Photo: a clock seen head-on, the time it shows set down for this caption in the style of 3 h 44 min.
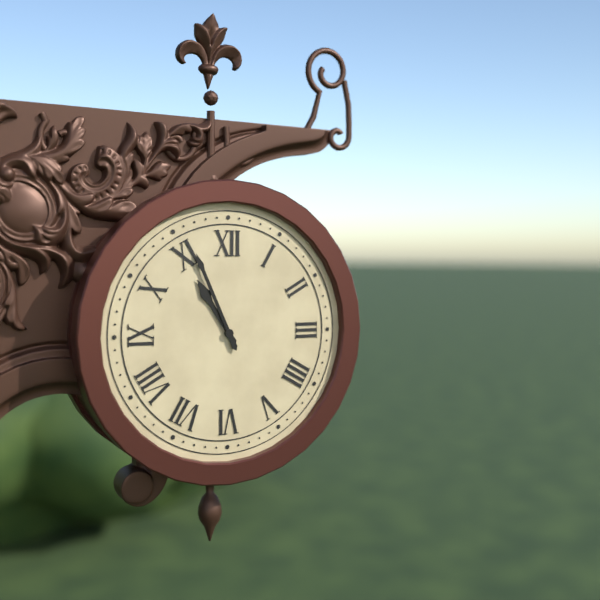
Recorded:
10 h 56 min
